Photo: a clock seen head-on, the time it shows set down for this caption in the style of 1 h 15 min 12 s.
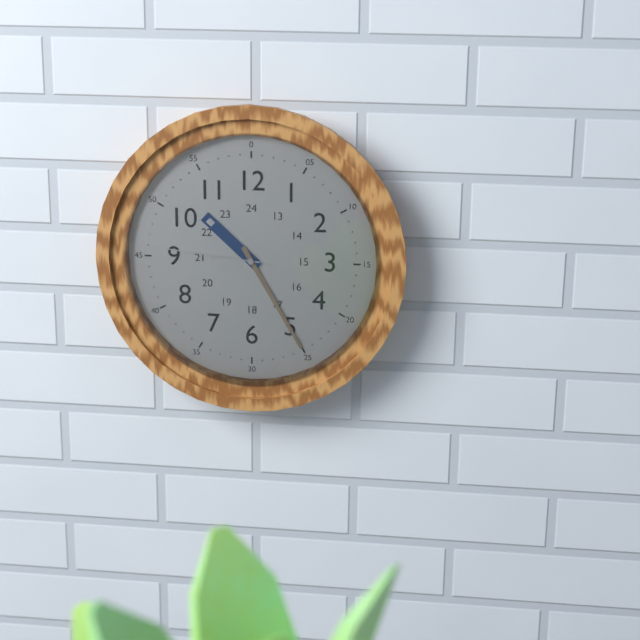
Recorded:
10 h 25 min 46 s
